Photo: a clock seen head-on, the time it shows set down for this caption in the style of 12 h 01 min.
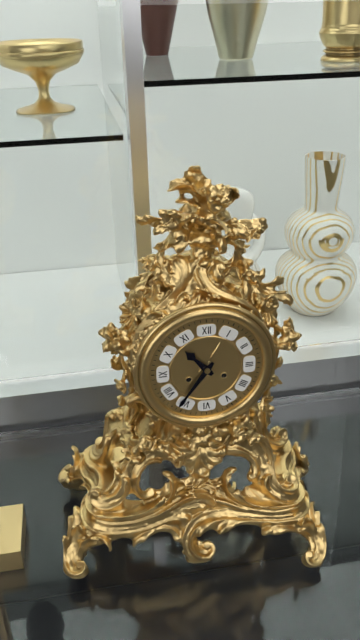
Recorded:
10 h 36 min
